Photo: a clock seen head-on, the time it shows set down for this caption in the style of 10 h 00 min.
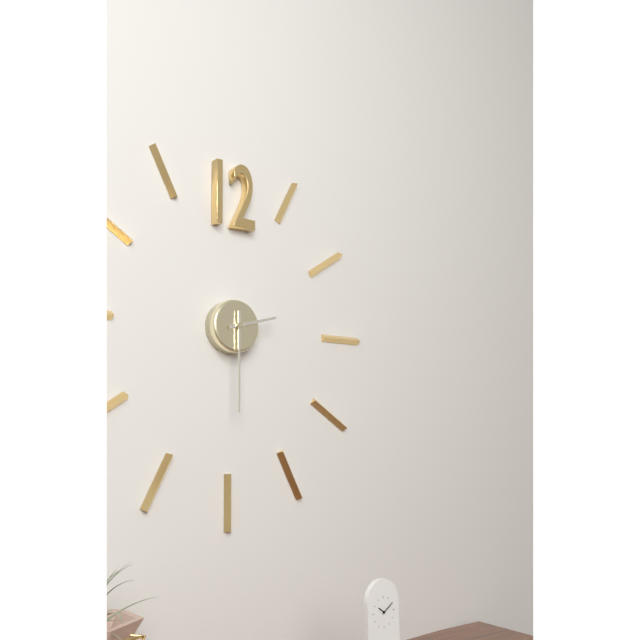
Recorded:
2 h 30 min
